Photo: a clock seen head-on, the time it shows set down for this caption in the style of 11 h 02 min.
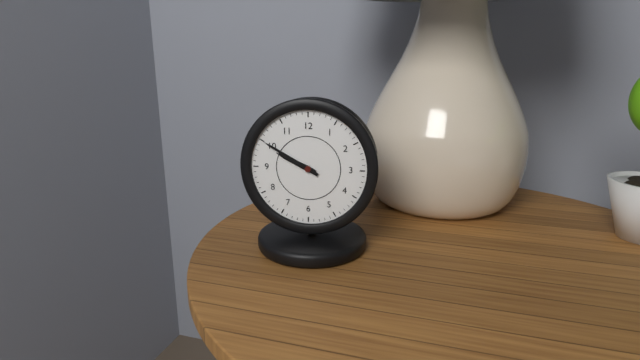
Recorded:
9 h 50 min
